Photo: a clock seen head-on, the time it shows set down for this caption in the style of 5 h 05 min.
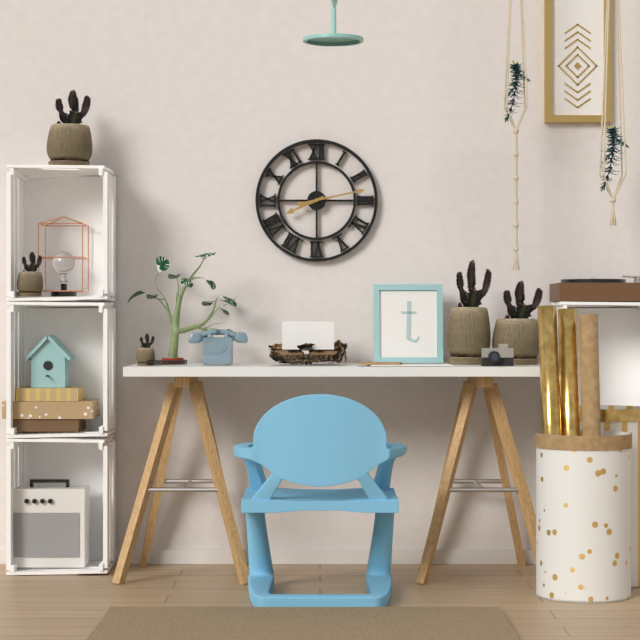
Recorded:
8 h 13 min
